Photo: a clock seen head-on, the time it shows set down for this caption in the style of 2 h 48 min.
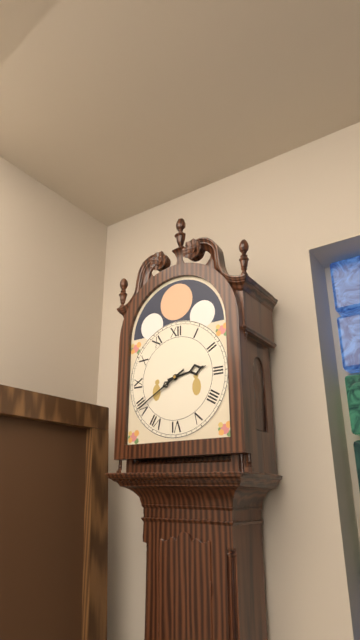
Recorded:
2 h 40 min
